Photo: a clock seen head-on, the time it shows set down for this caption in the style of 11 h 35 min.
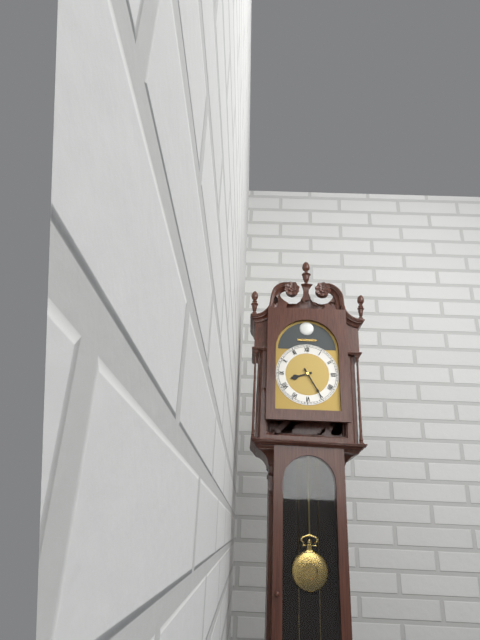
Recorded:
8 h 25 min
